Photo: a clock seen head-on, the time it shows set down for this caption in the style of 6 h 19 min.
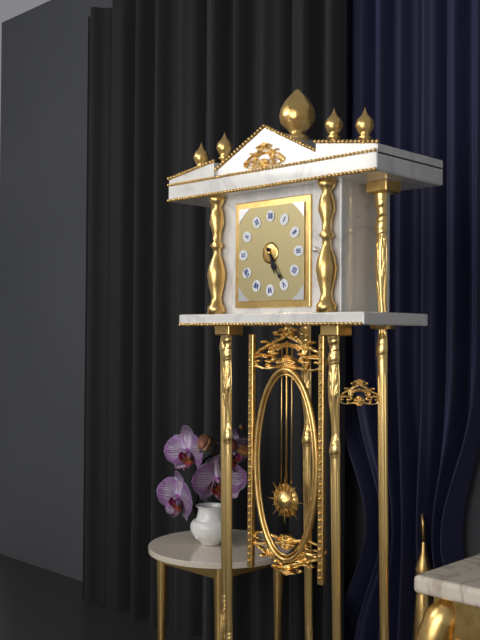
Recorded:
5 h 25 min
